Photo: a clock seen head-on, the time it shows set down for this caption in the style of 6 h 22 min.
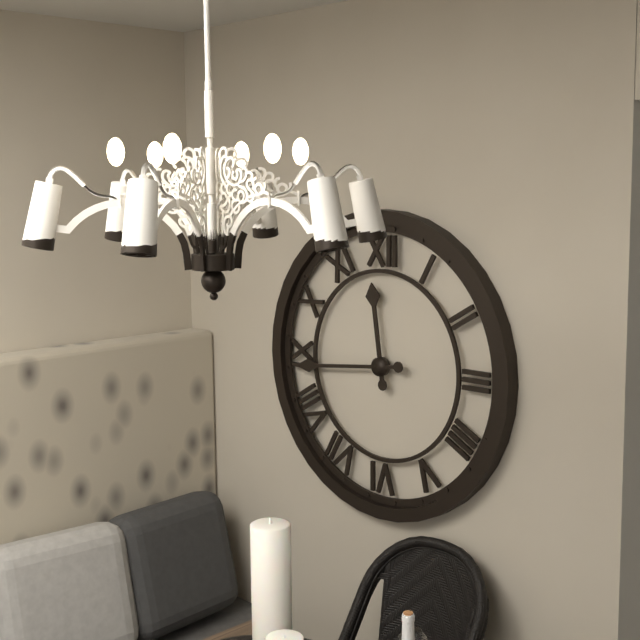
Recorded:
11 h 44 min
